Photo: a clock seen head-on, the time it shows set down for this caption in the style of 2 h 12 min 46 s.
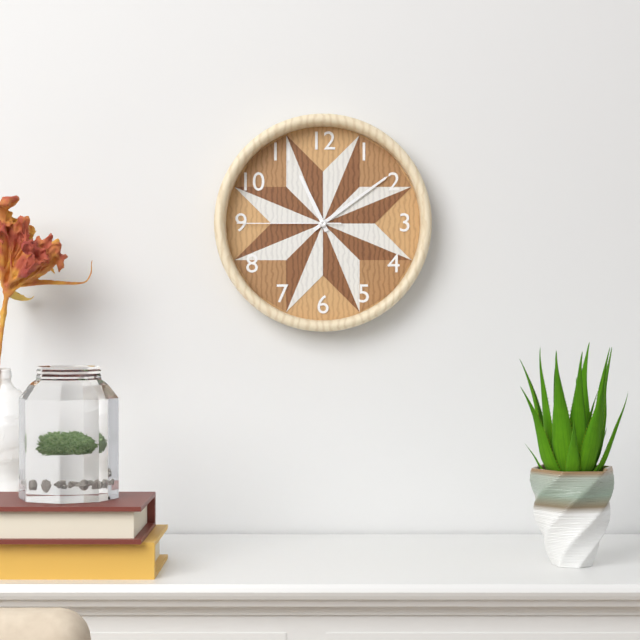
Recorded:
11 h 09 min 45 s
